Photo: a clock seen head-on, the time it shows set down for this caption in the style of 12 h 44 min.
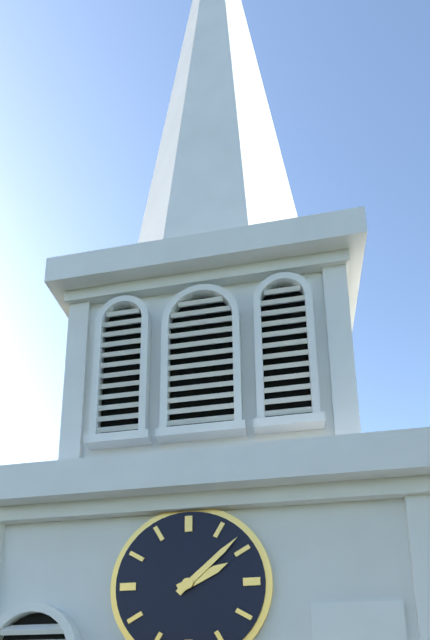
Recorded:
2 h 08 min
